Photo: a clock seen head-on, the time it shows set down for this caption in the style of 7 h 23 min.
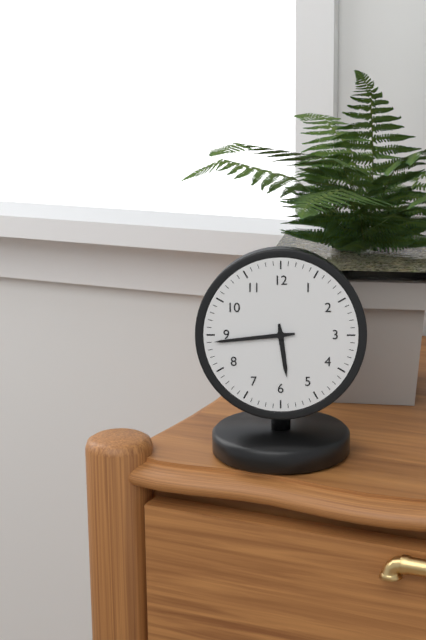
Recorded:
5 h 44 min
